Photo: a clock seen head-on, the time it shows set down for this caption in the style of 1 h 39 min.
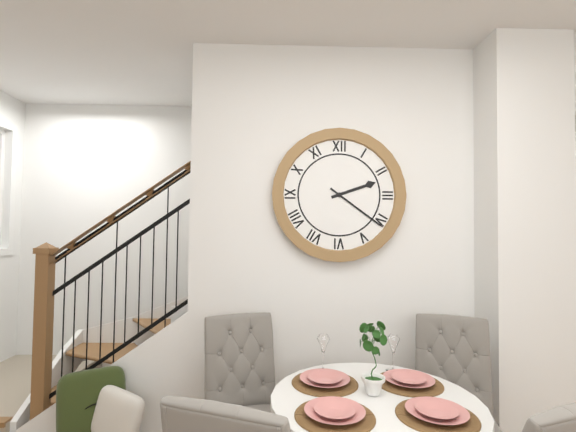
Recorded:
2 h 21 min
